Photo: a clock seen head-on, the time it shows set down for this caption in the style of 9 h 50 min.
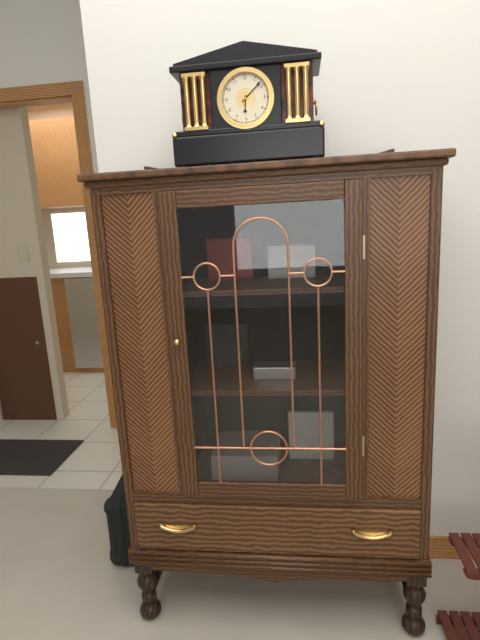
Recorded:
6 h 08 min
